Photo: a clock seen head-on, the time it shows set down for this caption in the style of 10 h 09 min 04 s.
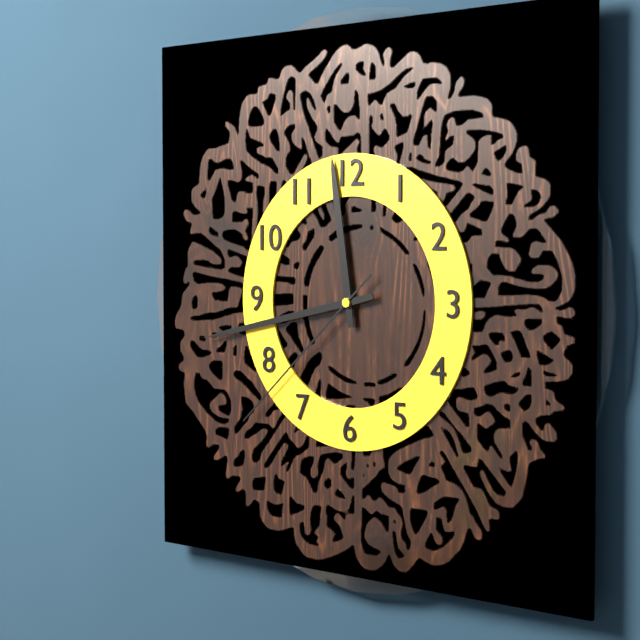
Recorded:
11 h 43 min 38 s
